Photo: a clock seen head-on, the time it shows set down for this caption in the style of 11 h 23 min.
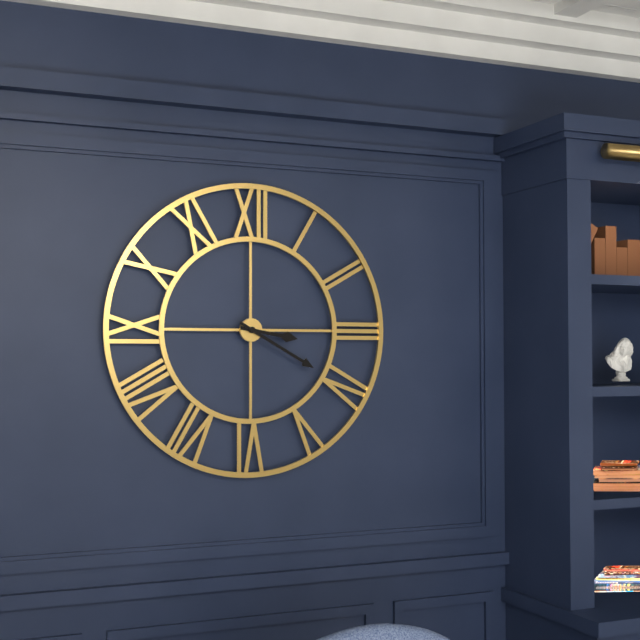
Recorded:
3 h 20 min
